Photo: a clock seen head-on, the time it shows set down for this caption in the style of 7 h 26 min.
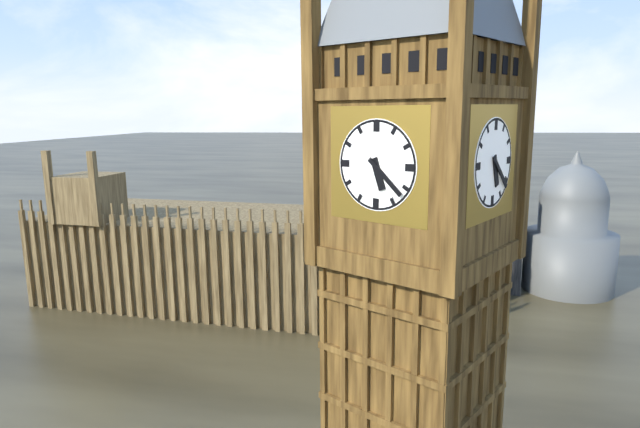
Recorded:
5 h 22 min
